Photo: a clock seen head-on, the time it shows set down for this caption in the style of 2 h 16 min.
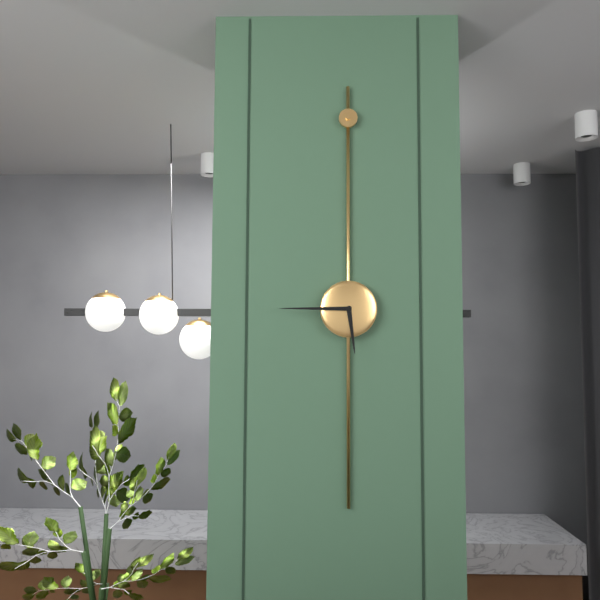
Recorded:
5 h 45 min
